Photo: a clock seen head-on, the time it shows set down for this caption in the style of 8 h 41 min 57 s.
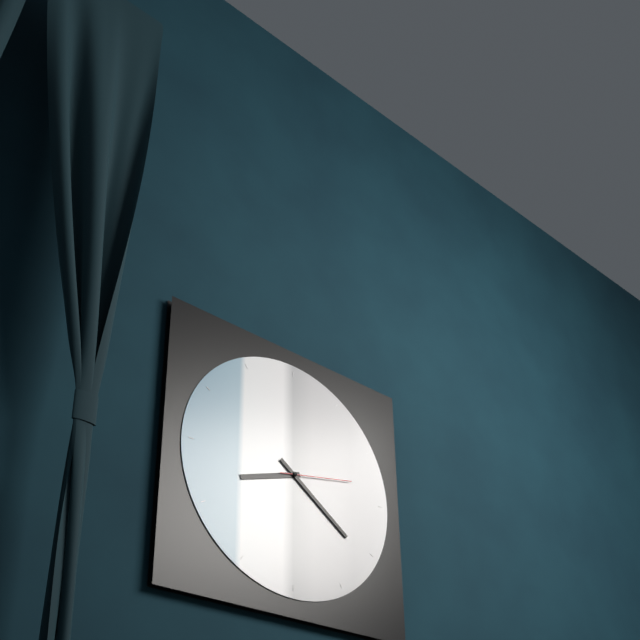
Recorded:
8 h 21 min 13 s
